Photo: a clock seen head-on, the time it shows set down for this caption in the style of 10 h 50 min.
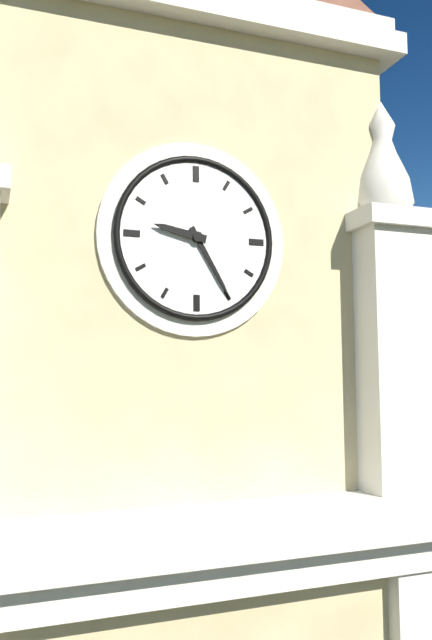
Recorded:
9 h 25 min
